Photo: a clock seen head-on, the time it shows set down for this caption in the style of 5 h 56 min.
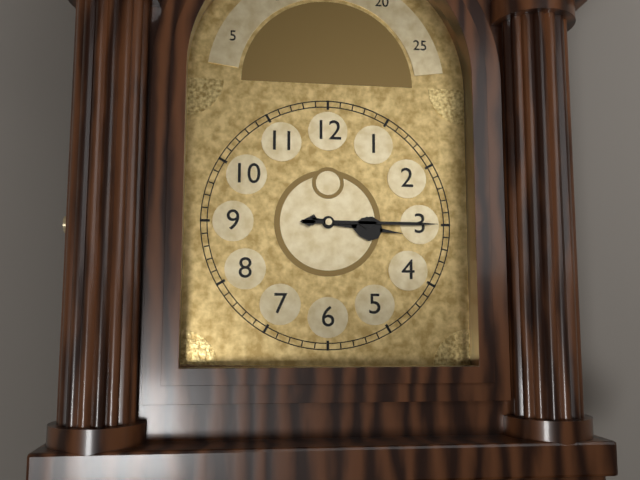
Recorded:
3 h 15 min
